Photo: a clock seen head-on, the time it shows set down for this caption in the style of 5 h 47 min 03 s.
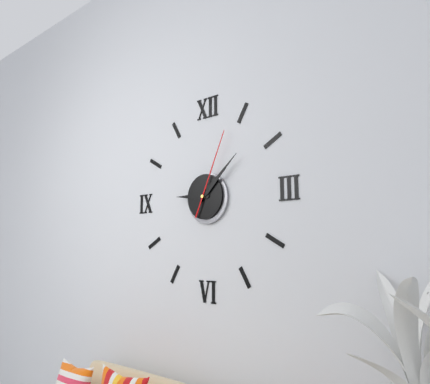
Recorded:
9 h 08 min 04 s
